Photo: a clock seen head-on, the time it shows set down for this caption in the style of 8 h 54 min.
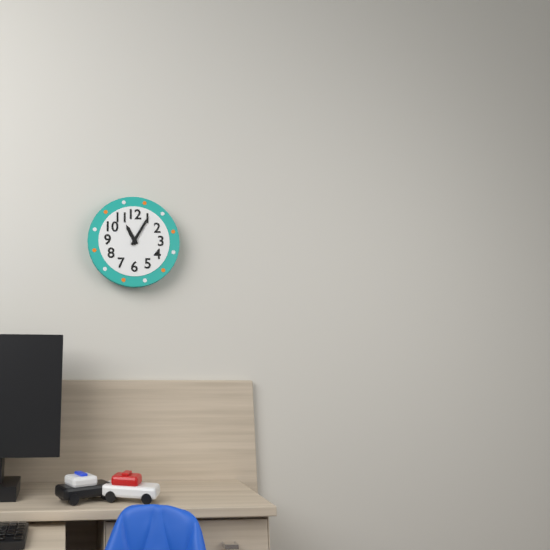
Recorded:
11 h 05 min
